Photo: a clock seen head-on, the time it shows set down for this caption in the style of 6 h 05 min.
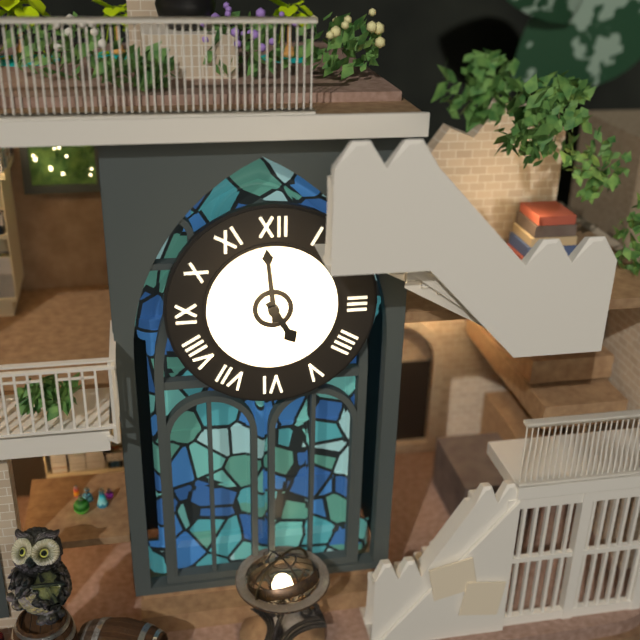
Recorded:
4 h 59 min
